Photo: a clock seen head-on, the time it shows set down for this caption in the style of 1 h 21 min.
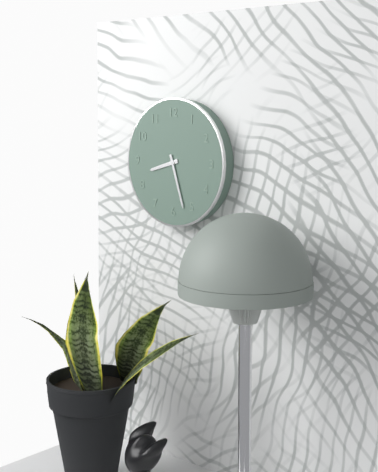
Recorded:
8 h 27 min
